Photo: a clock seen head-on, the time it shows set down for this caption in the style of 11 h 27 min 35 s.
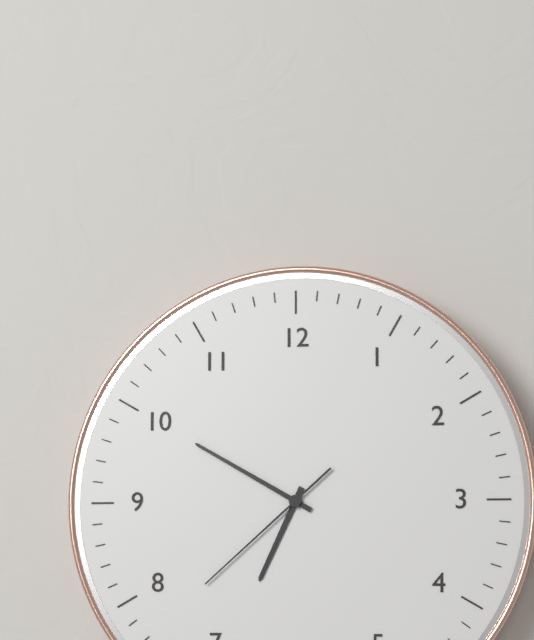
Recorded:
6 h 50 min 38 s
